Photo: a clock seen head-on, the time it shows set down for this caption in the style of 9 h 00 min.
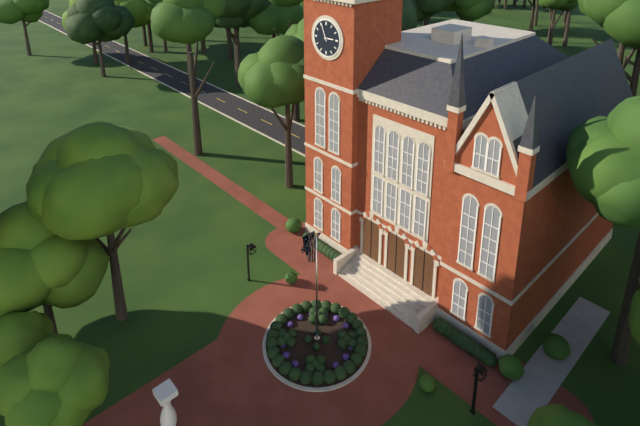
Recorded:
2 h 56 min
